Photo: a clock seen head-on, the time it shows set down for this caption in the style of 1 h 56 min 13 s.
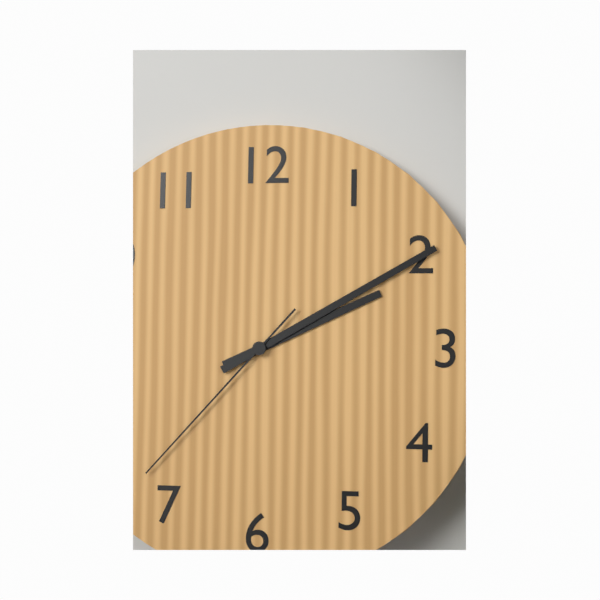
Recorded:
2 h 10 min 37 s
